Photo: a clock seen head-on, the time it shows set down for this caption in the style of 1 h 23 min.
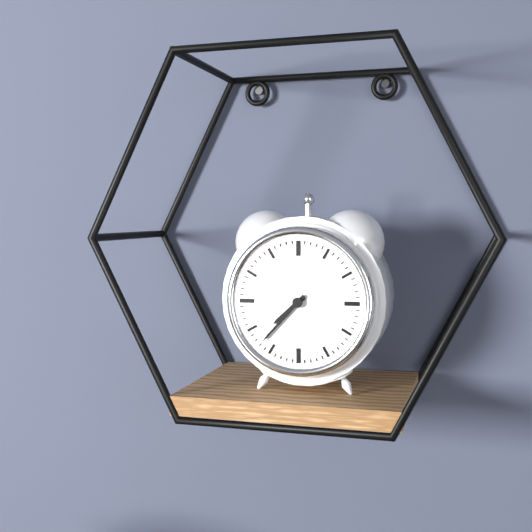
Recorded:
7 h 37 min
